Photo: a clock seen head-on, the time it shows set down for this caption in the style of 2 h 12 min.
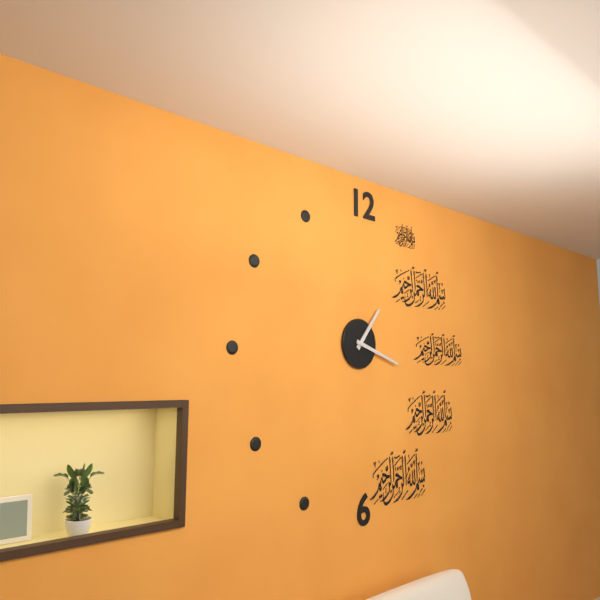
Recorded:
1 h 18 min
